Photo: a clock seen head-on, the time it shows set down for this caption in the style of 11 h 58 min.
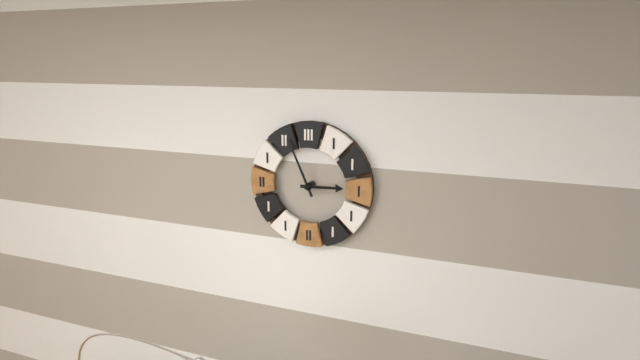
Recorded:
2 h 56 min
